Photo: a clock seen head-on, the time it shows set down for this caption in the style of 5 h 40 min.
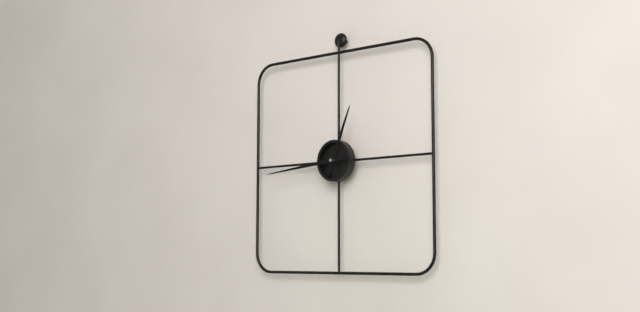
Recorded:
12 h 44 min
